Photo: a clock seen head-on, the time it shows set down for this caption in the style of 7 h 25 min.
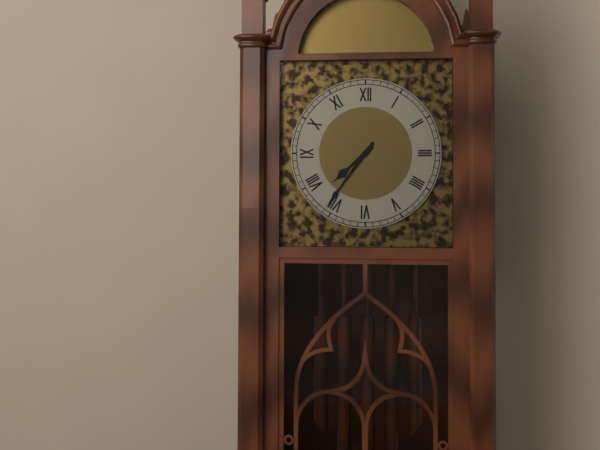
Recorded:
7 h 36 min
